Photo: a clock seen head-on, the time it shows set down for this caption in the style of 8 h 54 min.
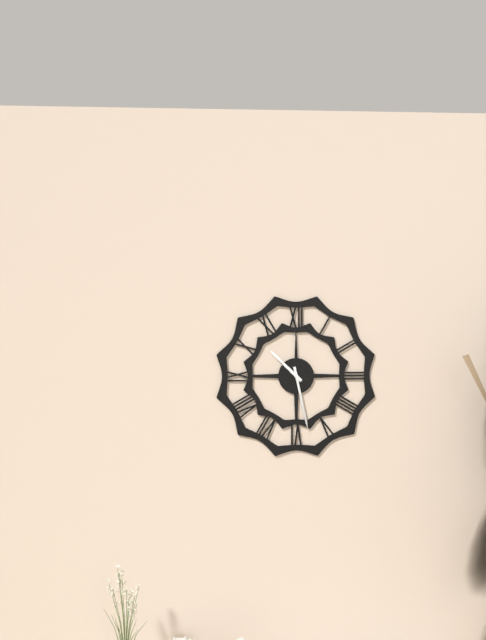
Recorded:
10 h 28 min
